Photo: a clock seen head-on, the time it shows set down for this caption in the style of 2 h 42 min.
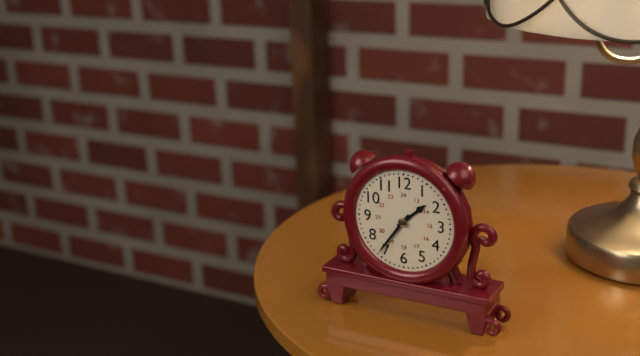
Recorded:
1 h 36 min
